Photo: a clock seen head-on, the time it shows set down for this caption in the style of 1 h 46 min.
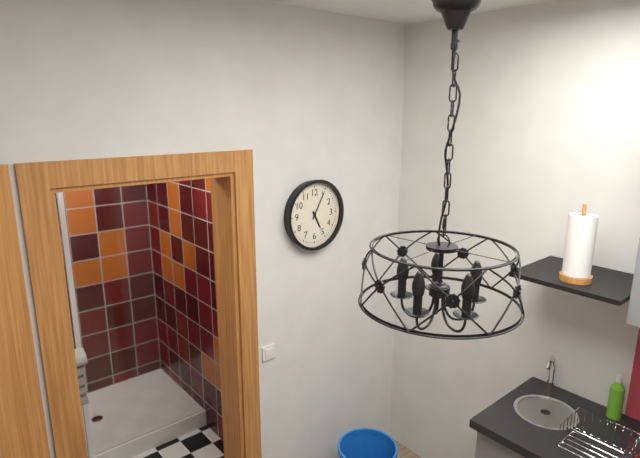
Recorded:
5 h 05 min
